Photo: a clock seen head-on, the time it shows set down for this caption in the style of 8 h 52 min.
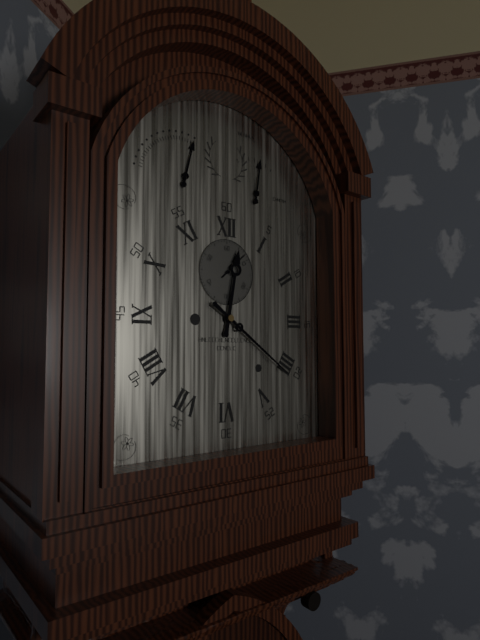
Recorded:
12 h 21 min
